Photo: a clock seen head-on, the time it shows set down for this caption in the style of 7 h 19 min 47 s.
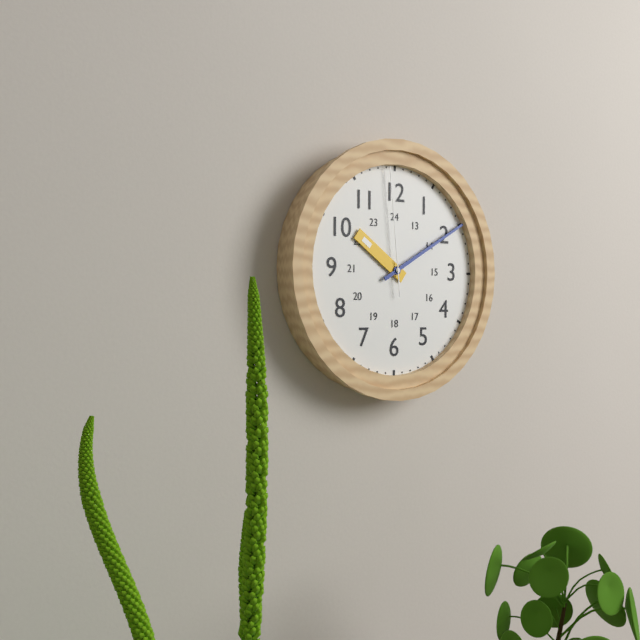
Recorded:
10 h 10 min 59 s
